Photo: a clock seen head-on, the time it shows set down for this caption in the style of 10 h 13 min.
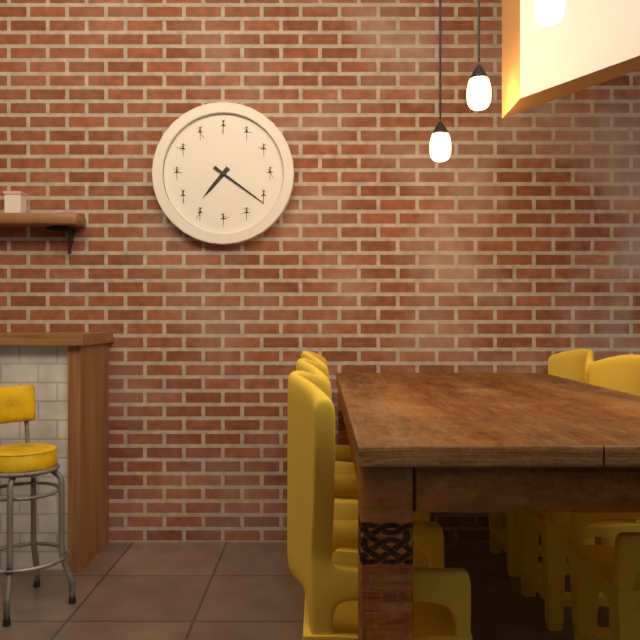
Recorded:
7 h 21 min
